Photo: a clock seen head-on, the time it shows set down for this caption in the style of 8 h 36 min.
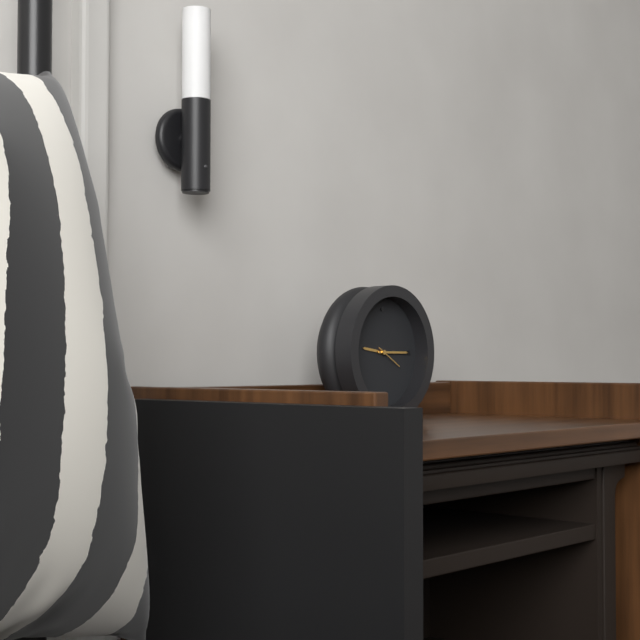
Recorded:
9 h 15 min
